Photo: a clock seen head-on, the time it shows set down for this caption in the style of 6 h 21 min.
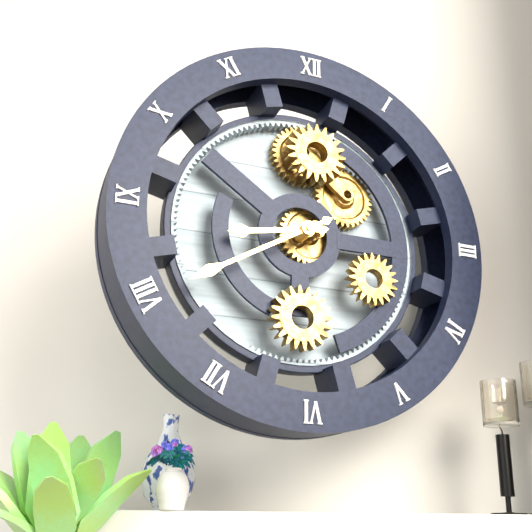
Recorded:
8 h 40 min
